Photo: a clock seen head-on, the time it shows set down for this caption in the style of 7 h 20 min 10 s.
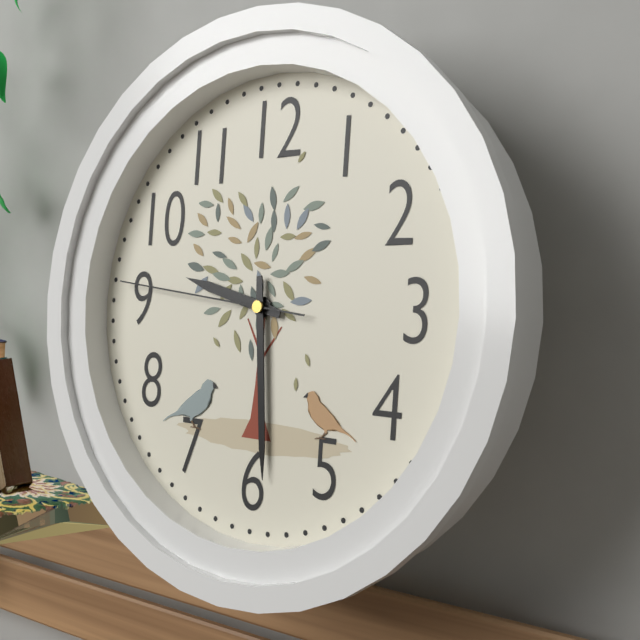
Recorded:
9 h 29 min 46 s
